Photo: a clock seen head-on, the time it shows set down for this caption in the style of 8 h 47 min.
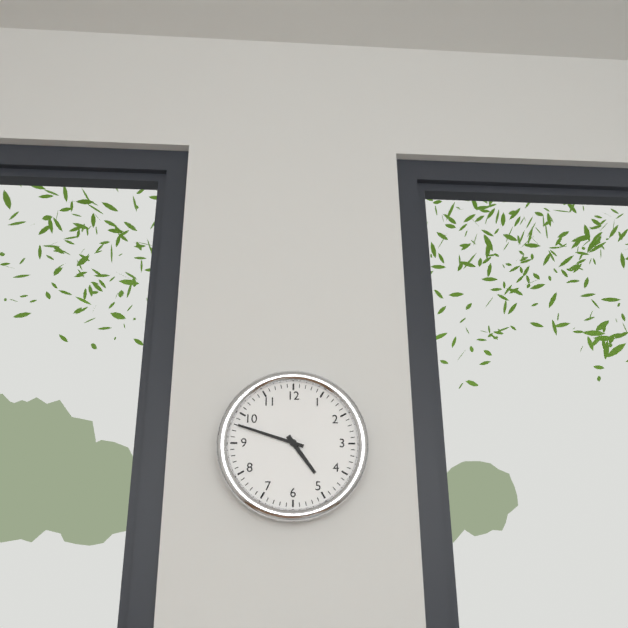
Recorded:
4 h 48 min
